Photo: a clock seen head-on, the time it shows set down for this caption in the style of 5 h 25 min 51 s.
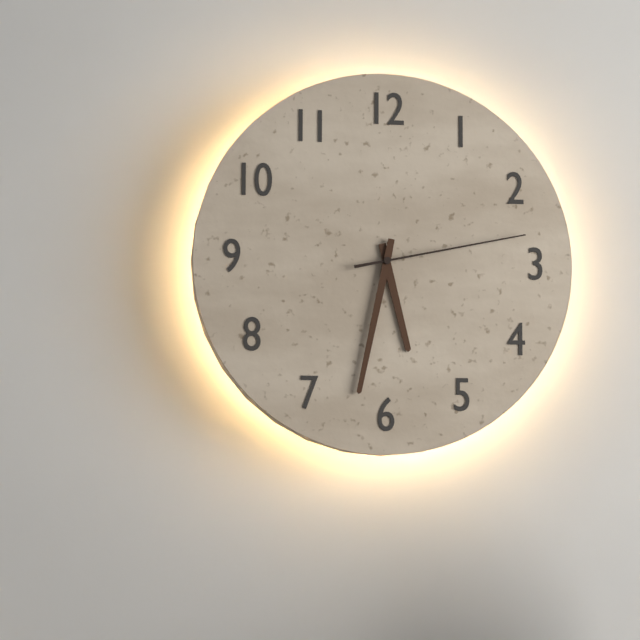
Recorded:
5 h 32 min 13 s
